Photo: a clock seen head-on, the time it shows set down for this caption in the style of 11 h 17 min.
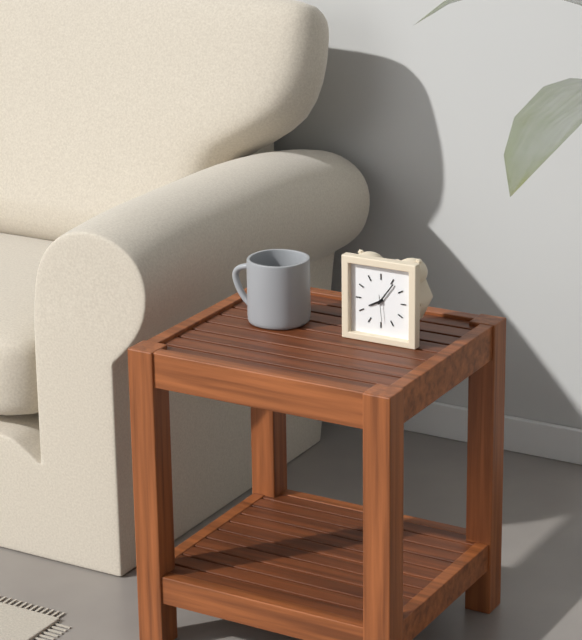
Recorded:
8 h 06 min
